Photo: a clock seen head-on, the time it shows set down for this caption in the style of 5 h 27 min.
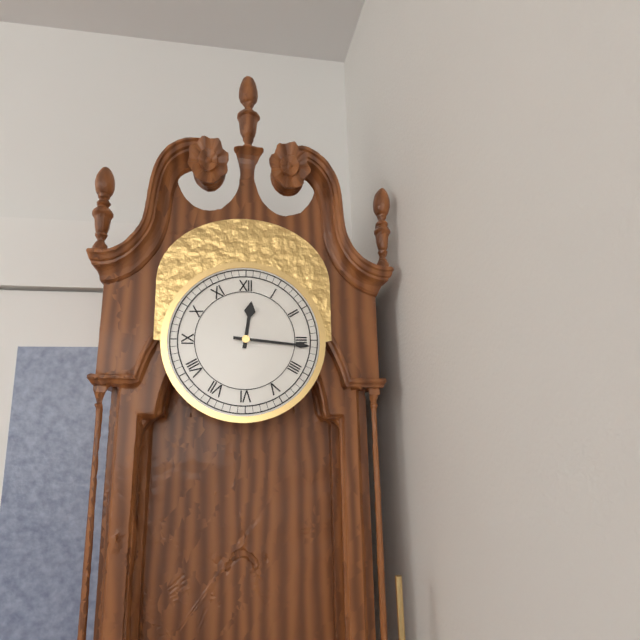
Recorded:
12 h 16 min
